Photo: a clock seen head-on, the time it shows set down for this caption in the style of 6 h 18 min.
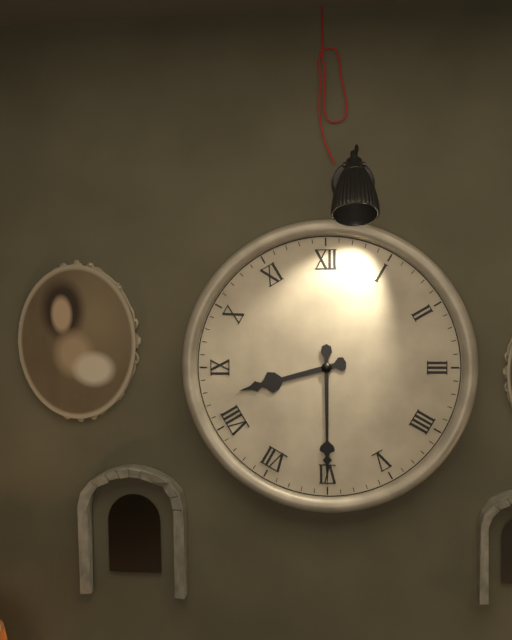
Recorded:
8 h 30 min
